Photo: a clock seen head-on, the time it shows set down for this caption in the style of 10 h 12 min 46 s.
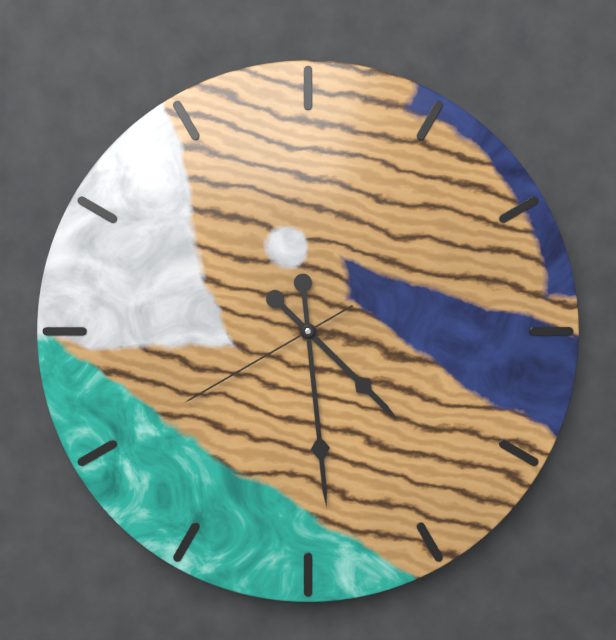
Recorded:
4 h 29 min 40 s
